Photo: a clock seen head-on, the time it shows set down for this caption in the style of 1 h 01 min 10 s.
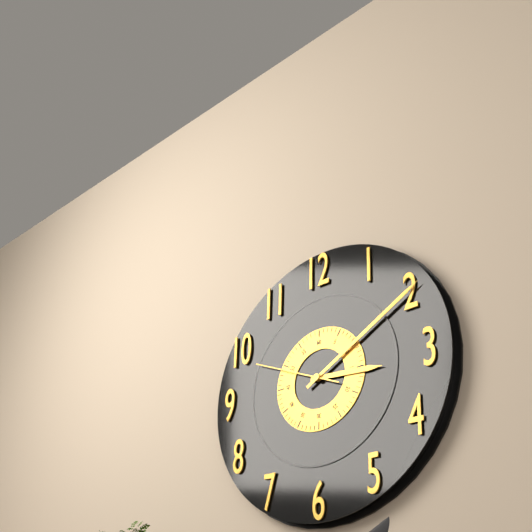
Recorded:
3 h 10 min 49 s
